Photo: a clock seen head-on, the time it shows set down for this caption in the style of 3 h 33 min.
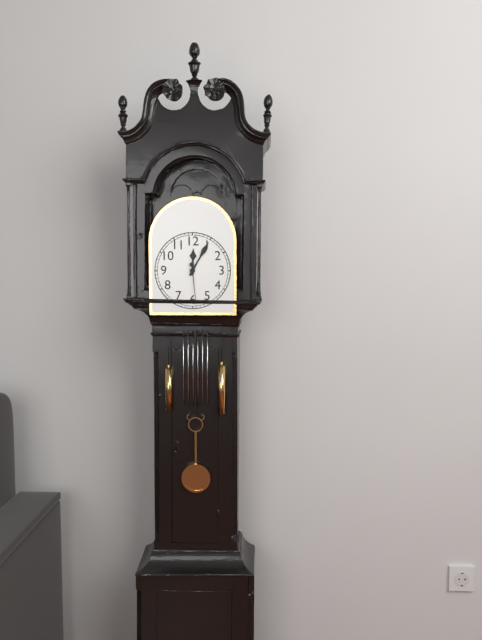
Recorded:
12 h 05 min
